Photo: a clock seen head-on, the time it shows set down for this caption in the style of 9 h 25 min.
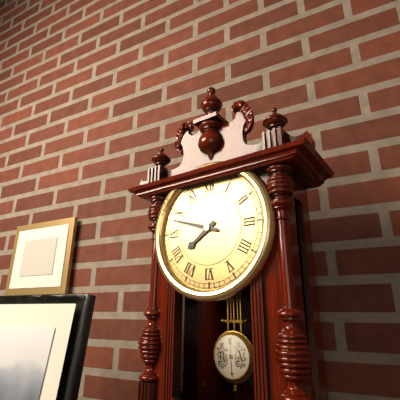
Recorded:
7 h 48 min
